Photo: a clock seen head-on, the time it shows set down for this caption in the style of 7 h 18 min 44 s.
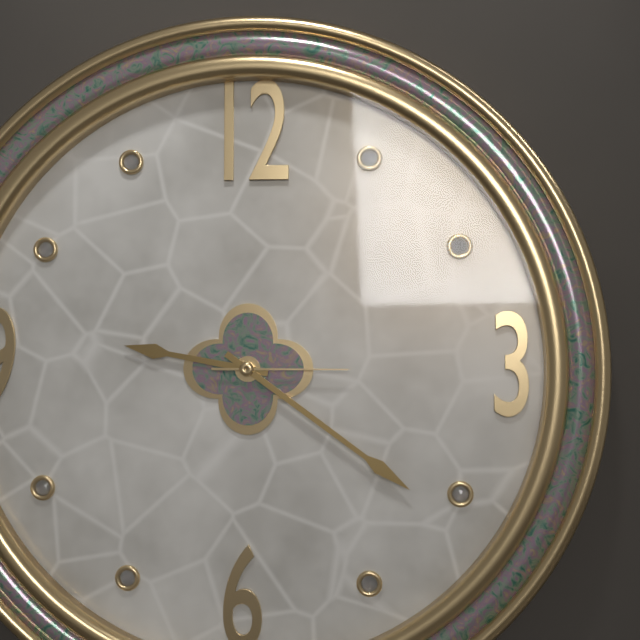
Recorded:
9 h 21 min 15 s
